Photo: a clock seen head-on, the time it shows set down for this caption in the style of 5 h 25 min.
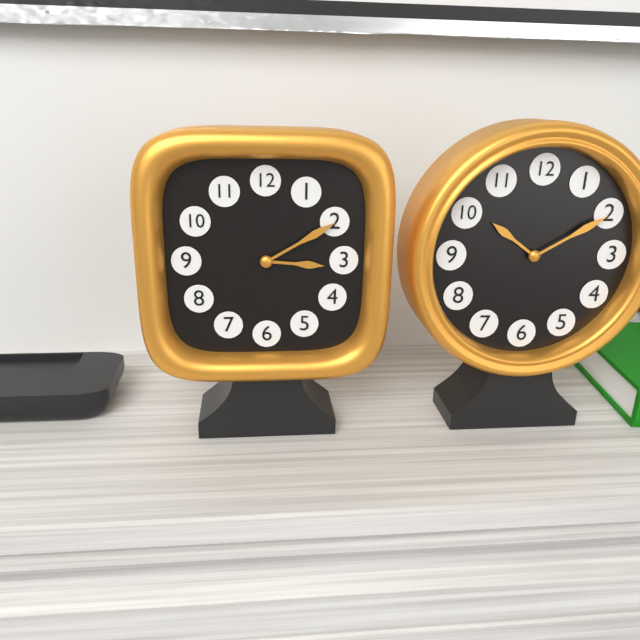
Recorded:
3 h 10 min
